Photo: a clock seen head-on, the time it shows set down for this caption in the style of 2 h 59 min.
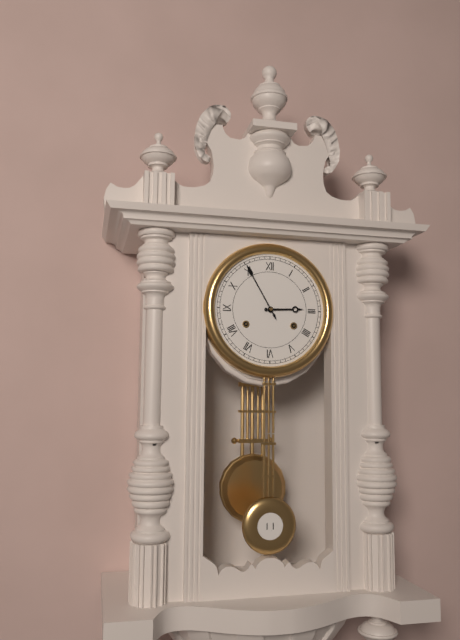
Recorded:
2 h 55 min
